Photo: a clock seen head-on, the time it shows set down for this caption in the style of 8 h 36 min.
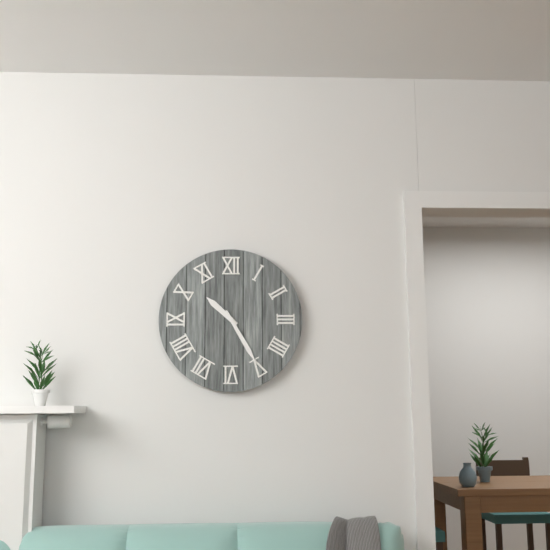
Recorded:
10 h 25 min
